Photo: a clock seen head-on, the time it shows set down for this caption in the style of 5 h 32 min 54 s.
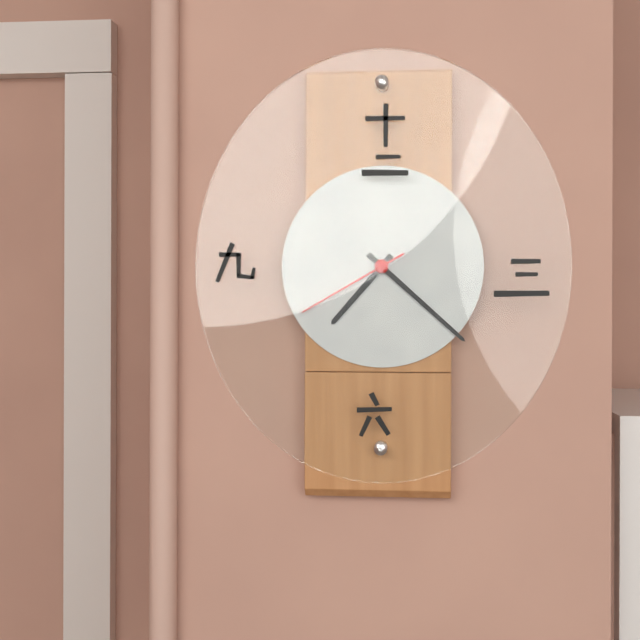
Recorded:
7 h 22 min 40 s
